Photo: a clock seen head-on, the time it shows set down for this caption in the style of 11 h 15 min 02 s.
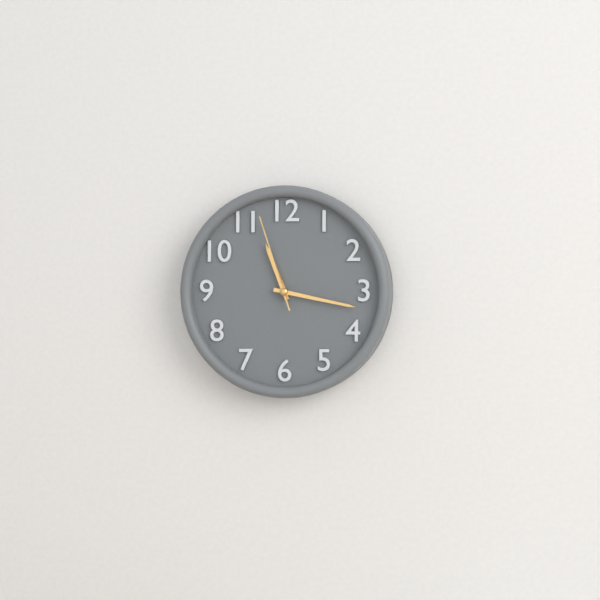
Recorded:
11 h 17 min 57 s
